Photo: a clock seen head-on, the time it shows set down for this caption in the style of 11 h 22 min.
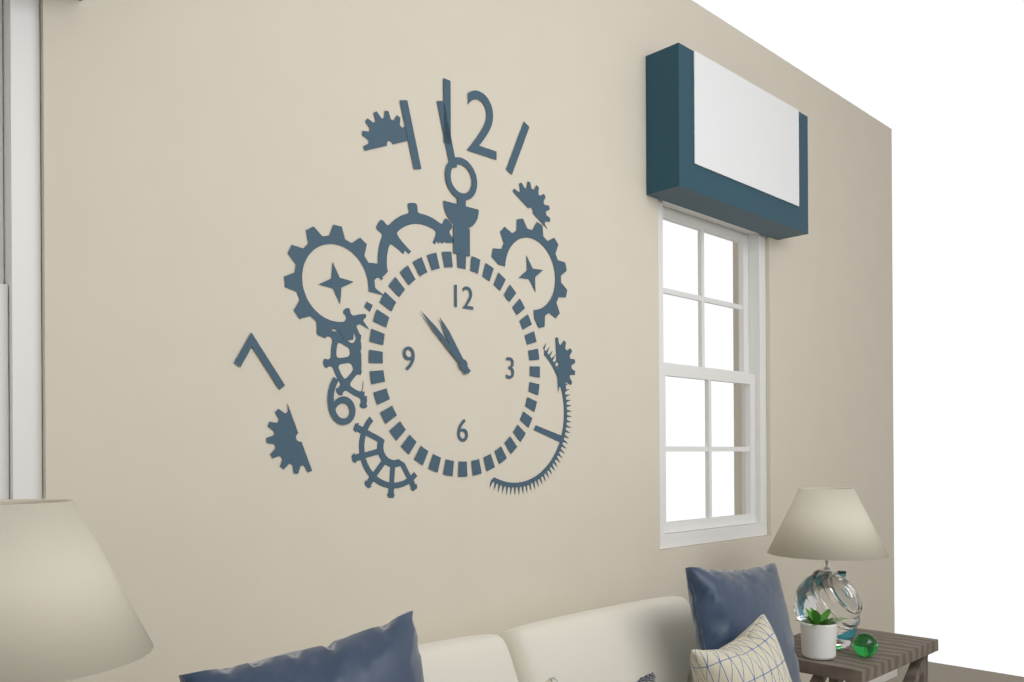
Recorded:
10 h 52 min
